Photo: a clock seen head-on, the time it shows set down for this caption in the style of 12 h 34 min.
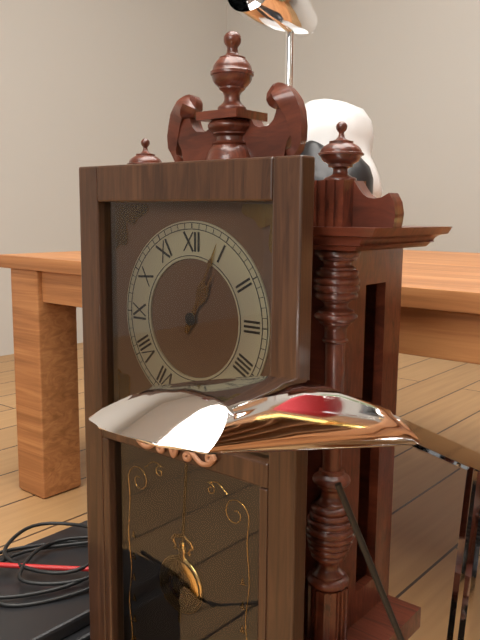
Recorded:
1 h 04 min
